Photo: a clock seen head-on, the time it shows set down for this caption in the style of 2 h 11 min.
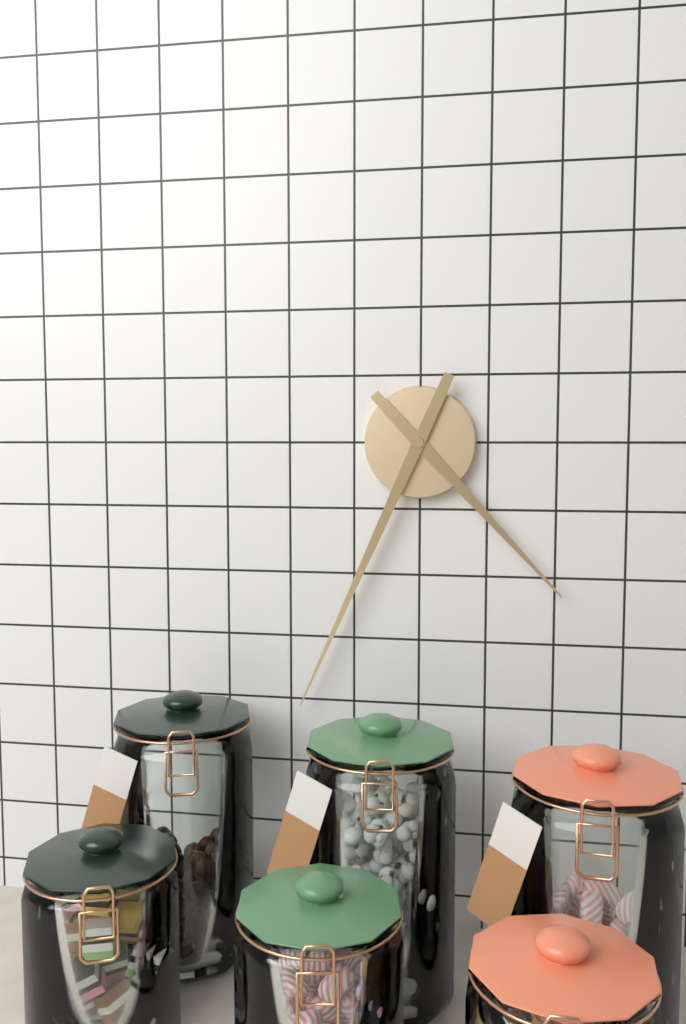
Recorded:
4 h 34 min
